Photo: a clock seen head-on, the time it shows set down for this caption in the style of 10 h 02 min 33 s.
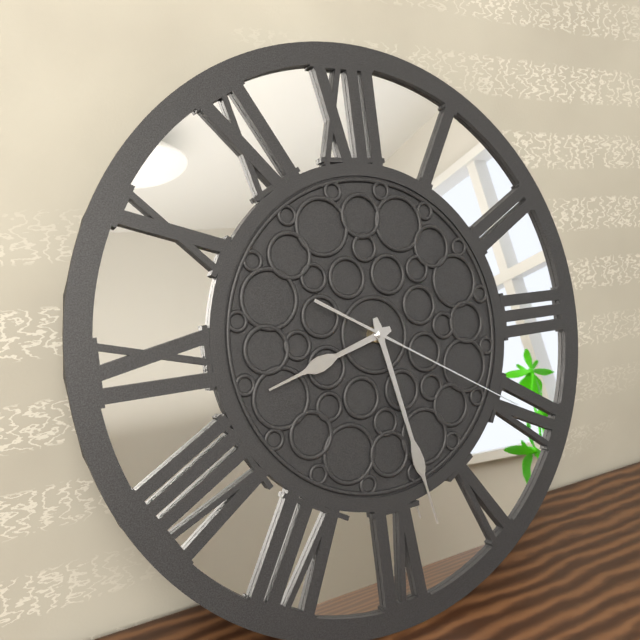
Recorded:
8 h 28 min 20 s
